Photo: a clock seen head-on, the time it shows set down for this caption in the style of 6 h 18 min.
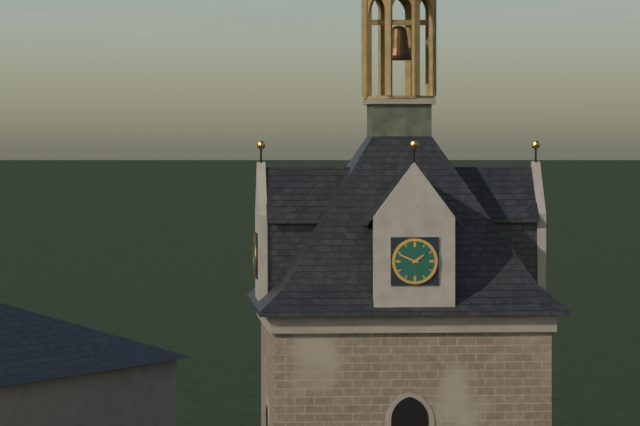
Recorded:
1 h 49 min
